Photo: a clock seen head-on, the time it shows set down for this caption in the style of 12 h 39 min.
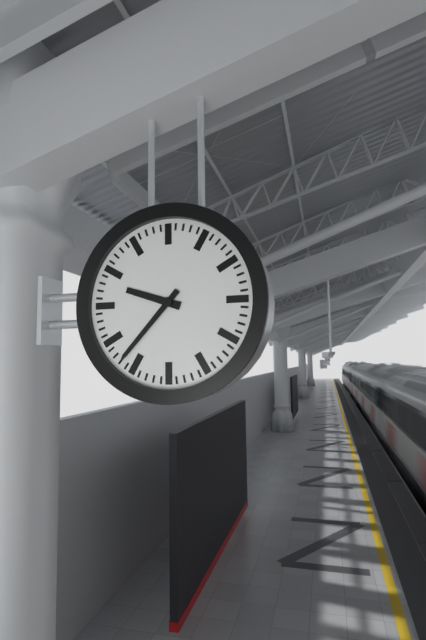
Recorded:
9 h 37 min
